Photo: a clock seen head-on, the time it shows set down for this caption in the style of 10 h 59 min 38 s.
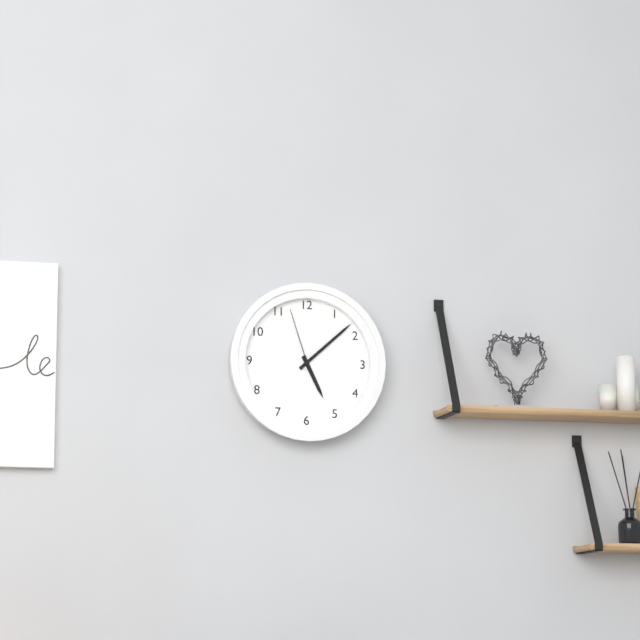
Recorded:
5 h 08 min 57 s
